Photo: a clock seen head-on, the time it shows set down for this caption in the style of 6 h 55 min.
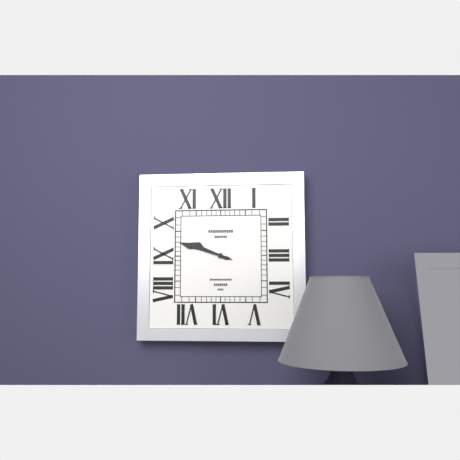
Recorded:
9 h 48 min
